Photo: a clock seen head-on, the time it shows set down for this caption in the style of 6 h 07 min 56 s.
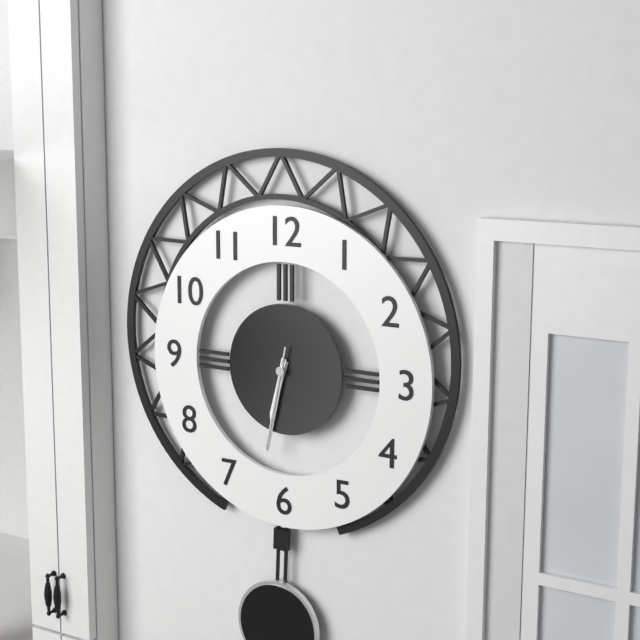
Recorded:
6 h 32 min 32 s
